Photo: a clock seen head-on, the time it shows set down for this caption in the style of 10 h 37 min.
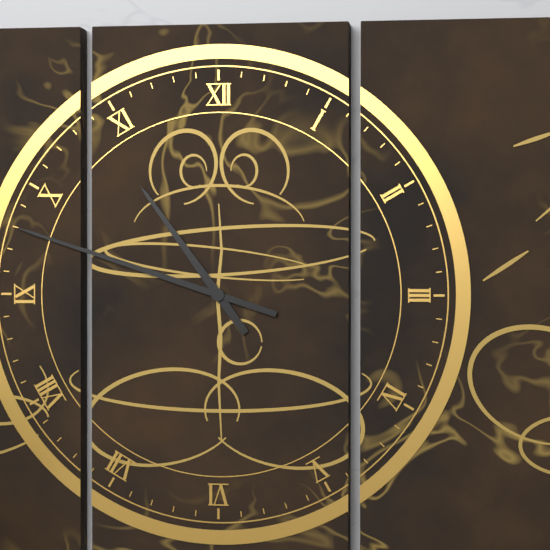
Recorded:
10 h 48 min
